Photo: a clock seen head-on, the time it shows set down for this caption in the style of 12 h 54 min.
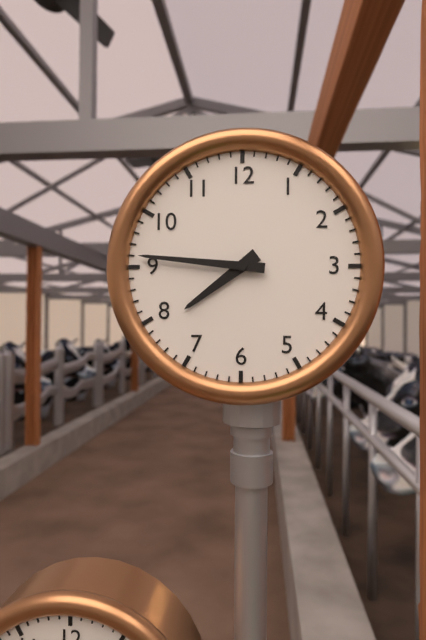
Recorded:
7 h 46 min
